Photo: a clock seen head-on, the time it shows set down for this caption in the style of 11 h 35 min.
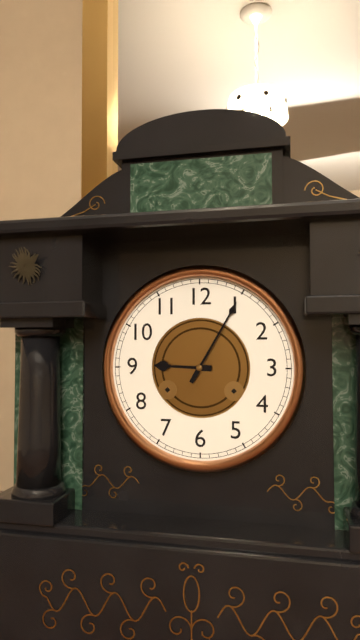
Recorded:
9 h 05 min
